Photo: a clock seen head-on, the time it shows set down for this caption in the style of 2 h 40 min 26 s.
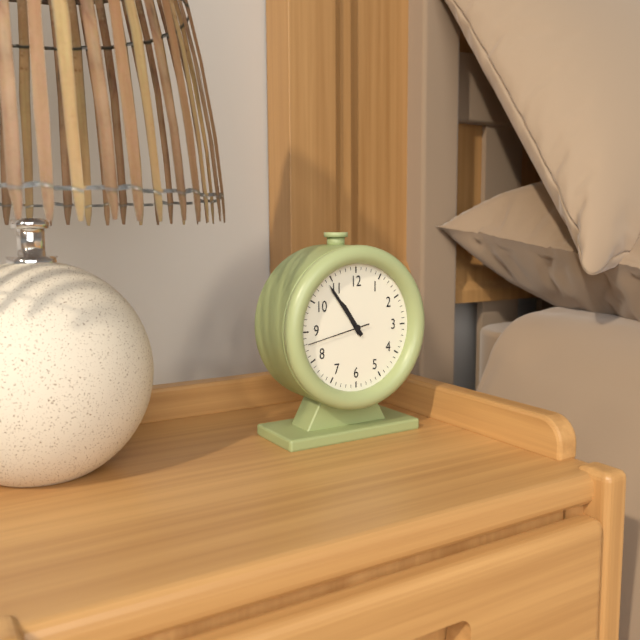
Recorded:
10 h 54 min 43 s
